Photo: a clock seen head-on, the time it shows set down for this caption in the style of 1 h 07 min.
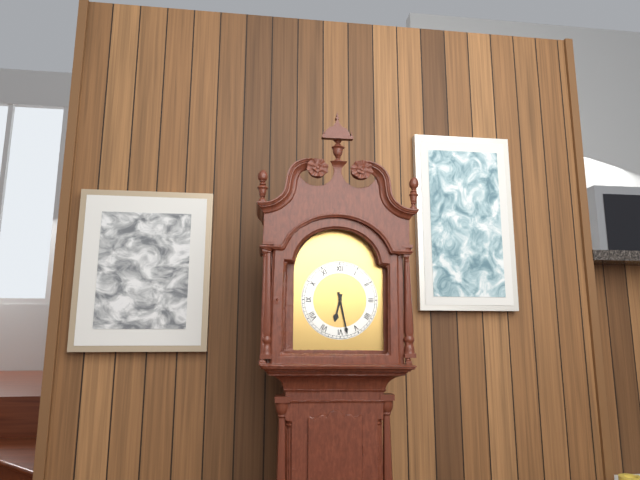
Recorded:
6 h 28 min
